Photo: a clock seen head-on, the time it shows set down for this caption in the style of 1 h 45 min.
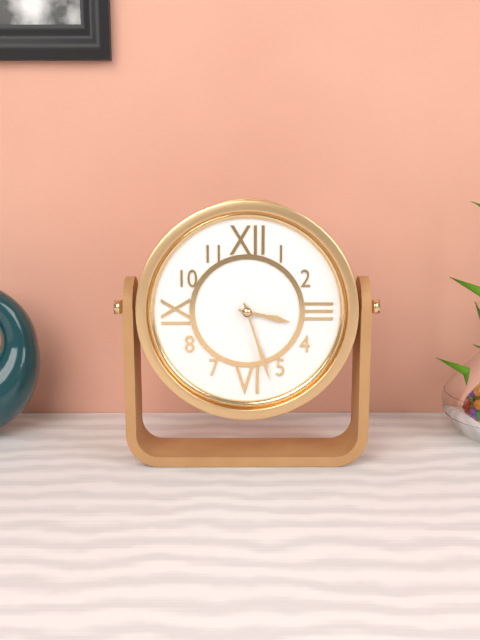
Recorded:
3 h 27 min
